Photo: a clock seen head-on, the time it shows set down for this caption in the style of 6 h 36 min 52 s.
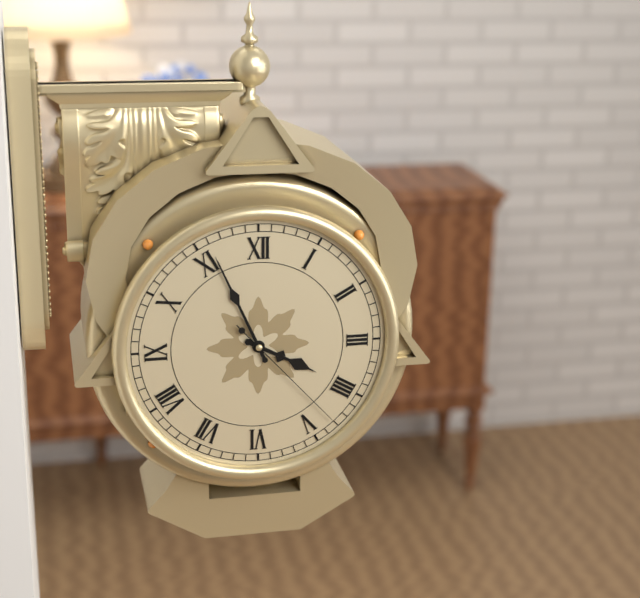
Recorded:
3 h 56 min 23 s
